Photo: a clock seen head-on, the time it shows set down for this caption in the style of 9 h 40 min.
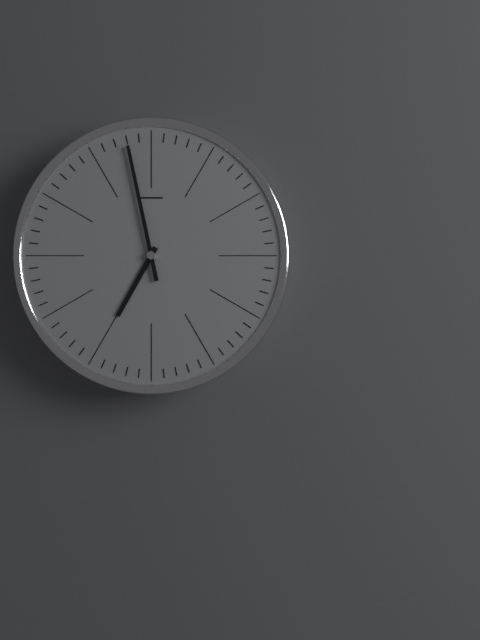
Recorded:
6 h 58 min
